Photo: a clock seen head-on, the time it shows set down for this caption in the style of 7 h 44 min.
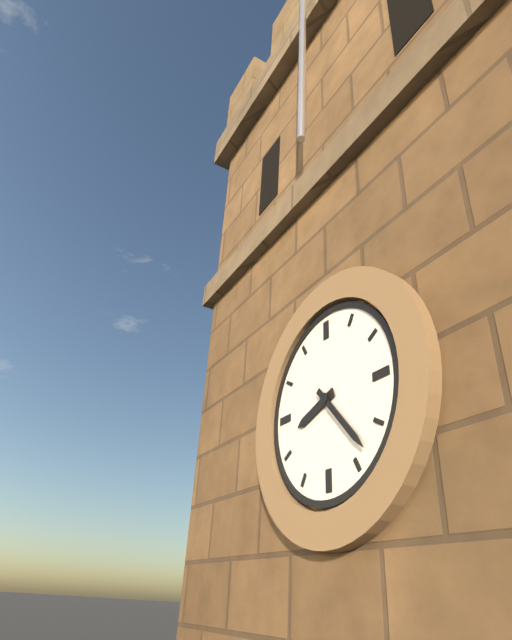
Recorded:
8 h 23 min
